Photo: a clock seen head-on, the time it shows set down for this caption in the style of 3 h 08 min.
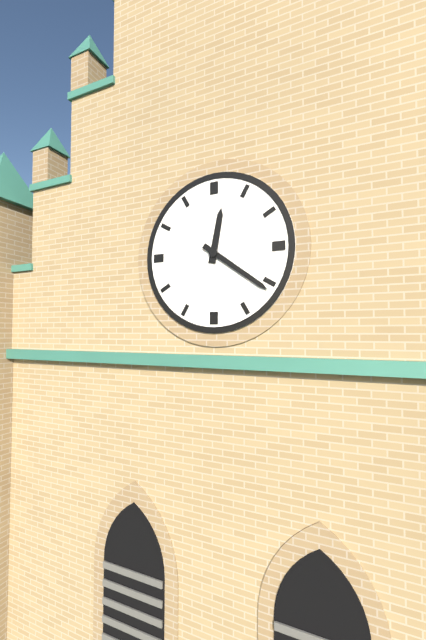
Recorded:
12 h 21 min
